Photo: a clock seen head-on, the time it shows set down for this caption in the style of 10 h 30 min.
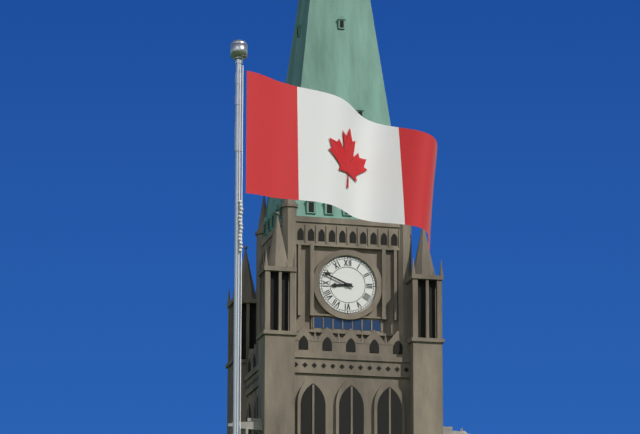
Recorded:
8 h 49 min
